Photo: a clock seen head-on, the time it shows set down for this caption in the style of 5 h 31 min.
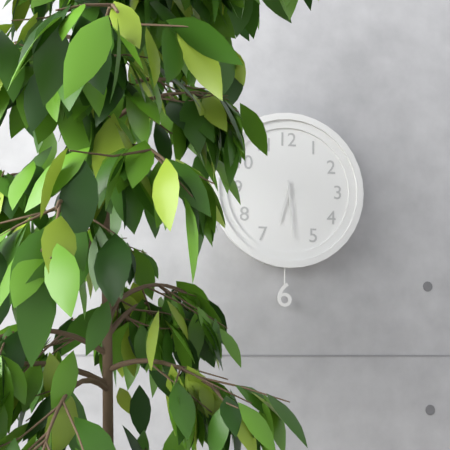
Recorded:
6 h 29 min
